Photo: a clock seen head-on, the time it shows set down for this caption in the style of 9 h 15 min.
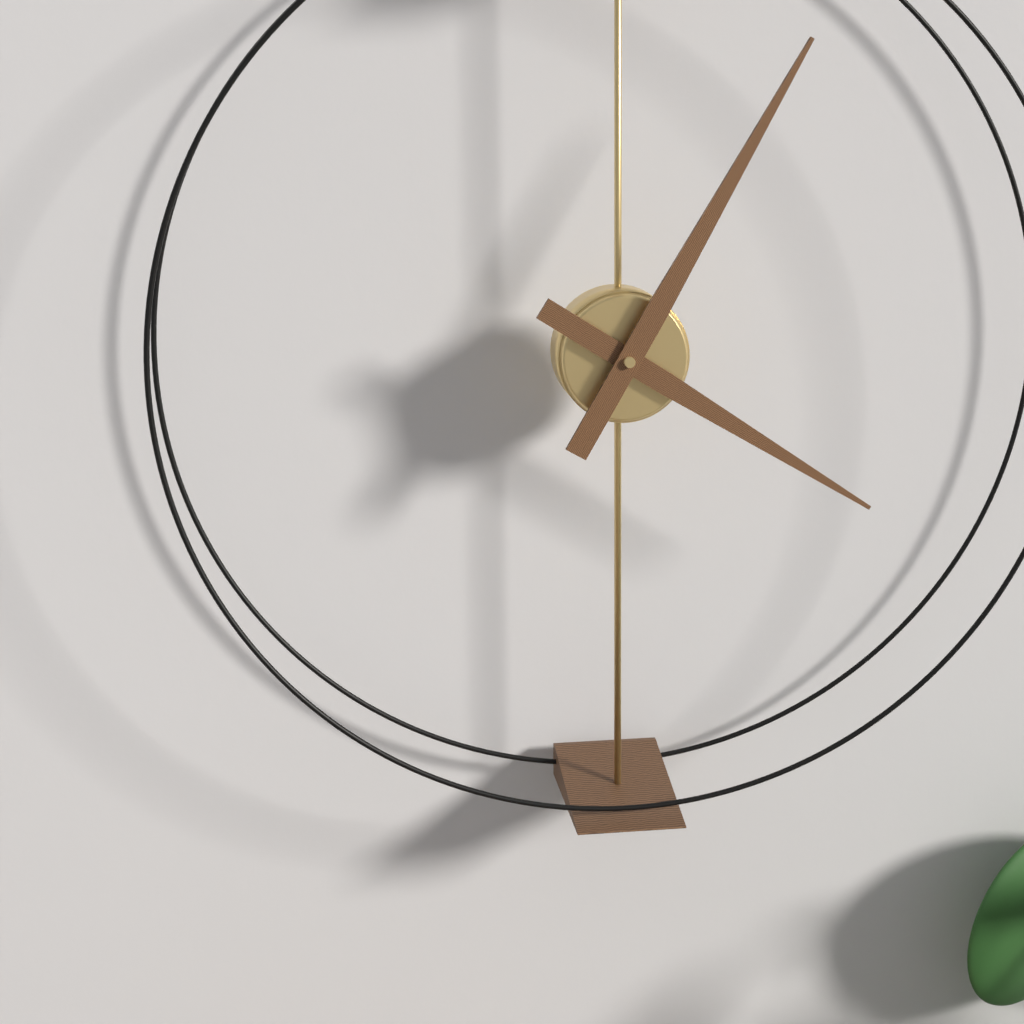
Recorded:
4 h 05 min
